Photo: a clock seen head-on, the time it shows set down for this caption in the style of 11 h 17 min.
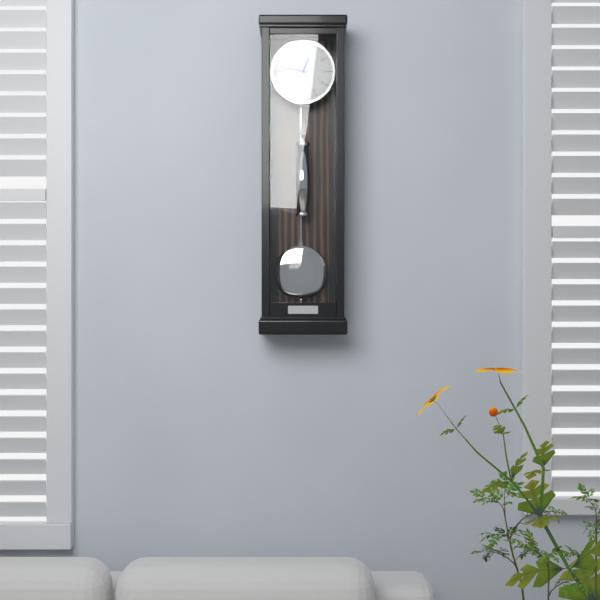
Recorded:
12 h 47 min
